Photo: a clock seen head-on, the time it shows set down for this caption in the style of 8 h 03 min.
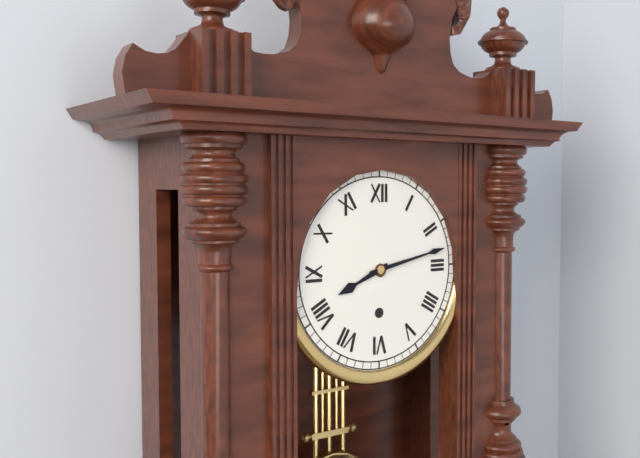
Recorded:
8 h 13 min
